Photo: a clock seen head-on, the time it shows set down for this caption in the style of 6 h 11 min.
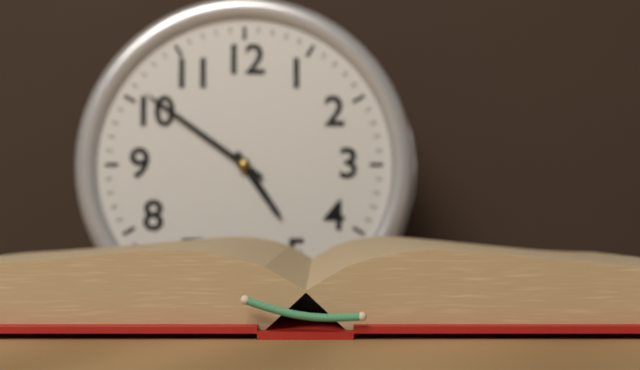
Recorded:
4 h 51 min
